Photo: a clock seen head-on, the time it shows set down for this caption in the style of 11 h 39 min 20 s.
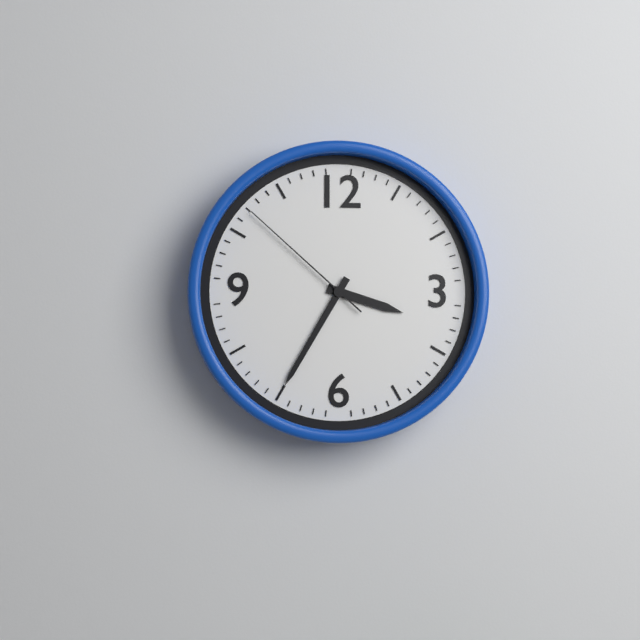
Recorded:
3 h 35 min 52 s
